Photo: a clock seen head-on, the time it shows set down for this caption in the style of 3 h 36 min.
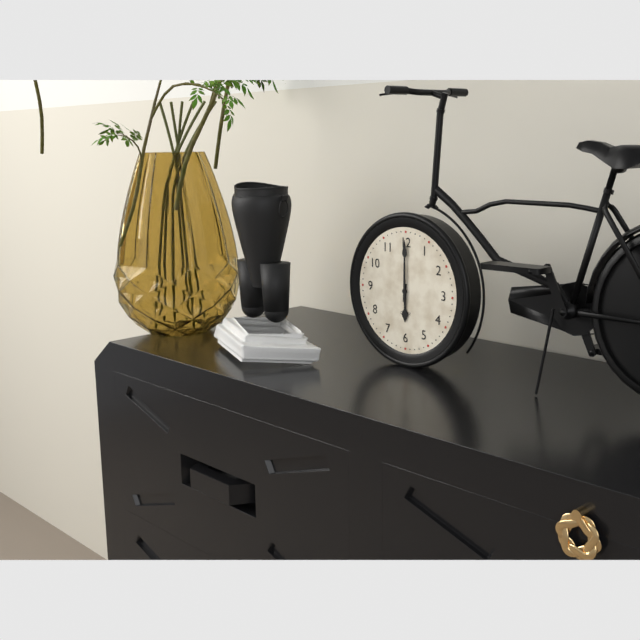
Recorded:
6 h 00 min
